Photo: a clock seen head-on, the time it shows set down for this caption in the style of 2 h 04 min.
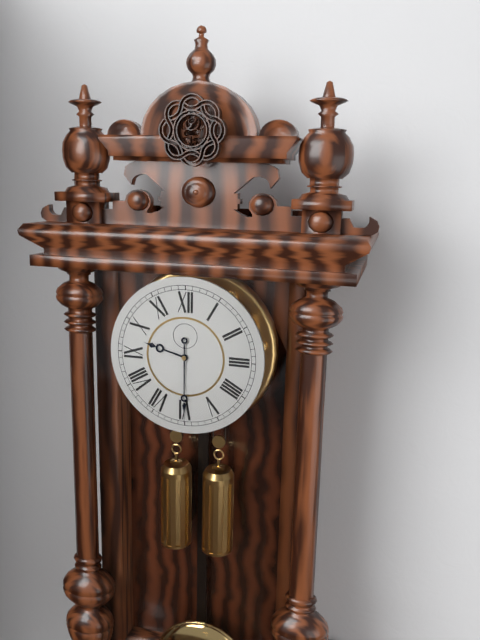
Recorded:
9 h 30 min
